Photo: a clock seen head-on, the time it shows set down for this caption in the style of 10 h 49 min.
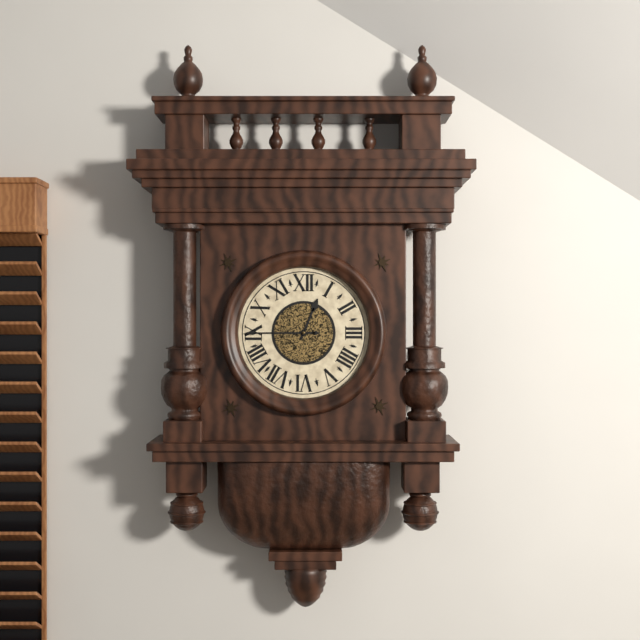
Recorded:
12 h 45 min
